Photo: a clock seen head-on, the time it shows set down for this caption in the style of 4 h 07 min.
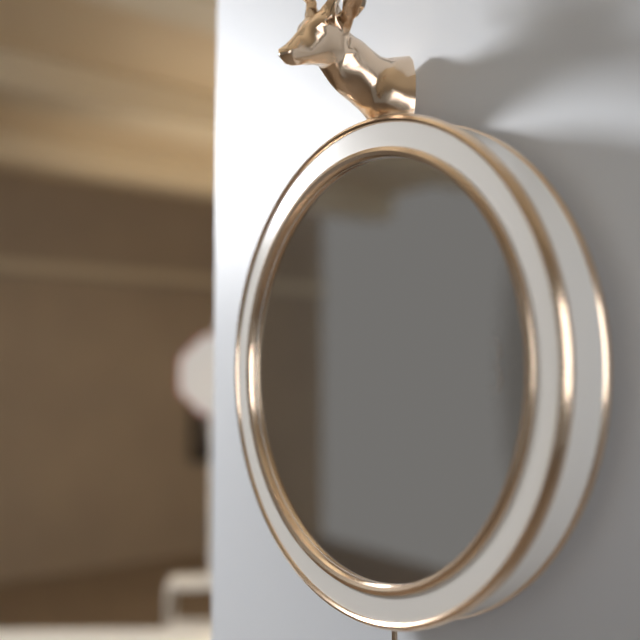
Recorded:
6 h 25 min
